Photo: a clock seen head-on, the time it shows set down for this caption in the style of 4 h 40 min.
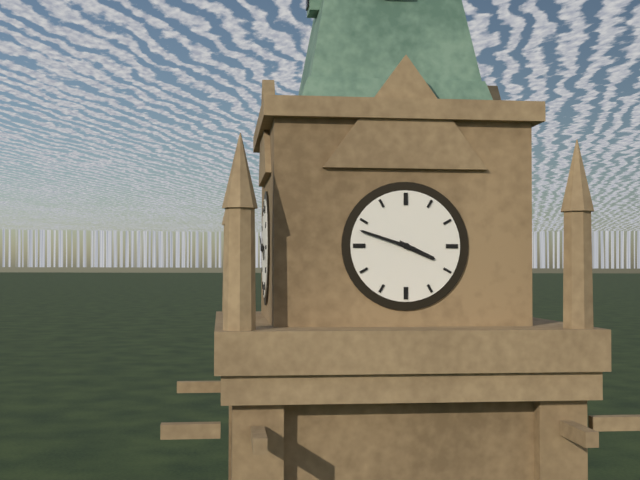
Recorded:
3 h 48 min
